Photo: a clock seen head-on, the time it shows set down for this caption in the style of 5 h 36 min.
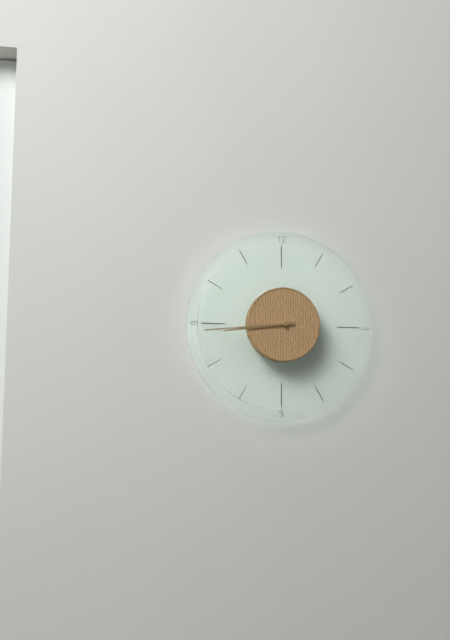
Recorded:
8 h 44 min
